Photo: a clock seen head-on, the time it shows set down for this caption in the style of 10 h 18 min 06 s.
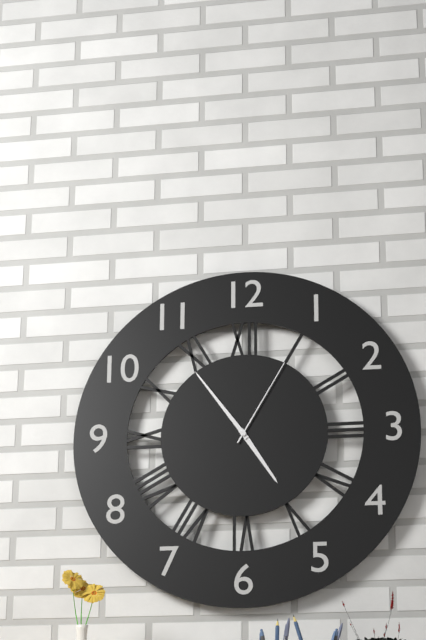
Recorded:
4 h 54 min 05 s
